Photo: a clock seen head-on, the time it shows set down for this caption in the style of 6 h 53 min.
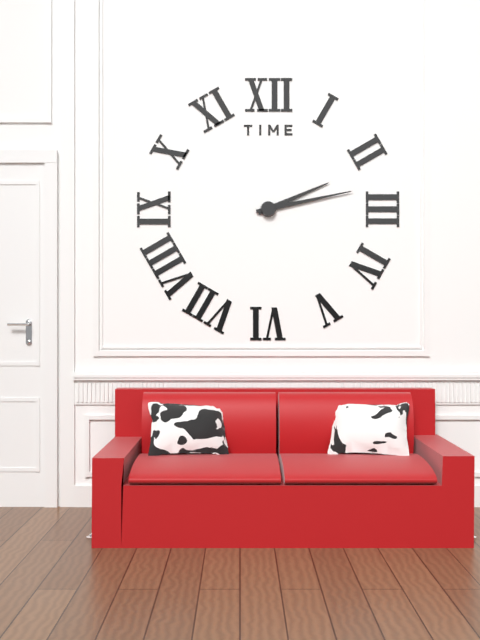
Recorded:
2 h 13 min
